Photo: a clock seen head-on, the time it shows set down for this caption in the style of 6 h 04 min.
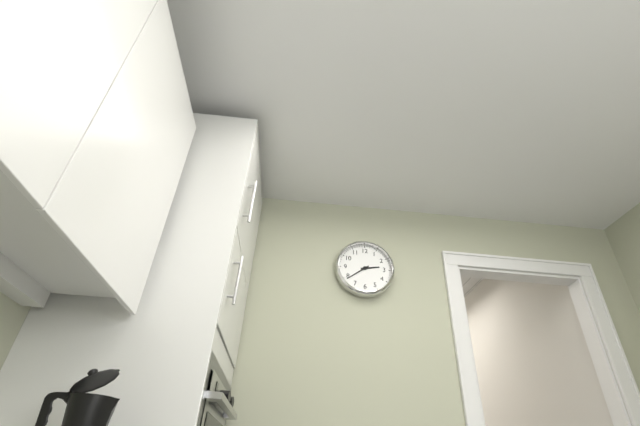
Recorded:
2 h 39 min
